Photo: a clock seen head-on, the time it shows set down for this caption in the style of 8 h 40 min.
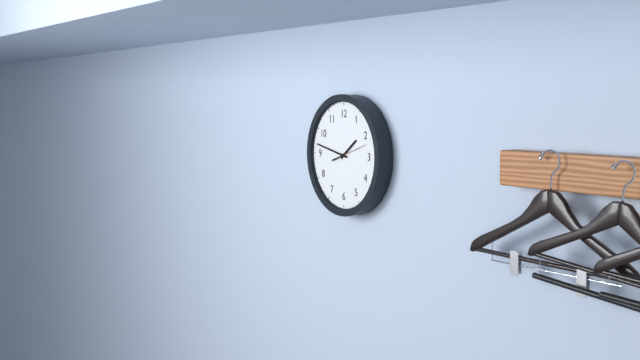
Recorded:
1 h 47 min
